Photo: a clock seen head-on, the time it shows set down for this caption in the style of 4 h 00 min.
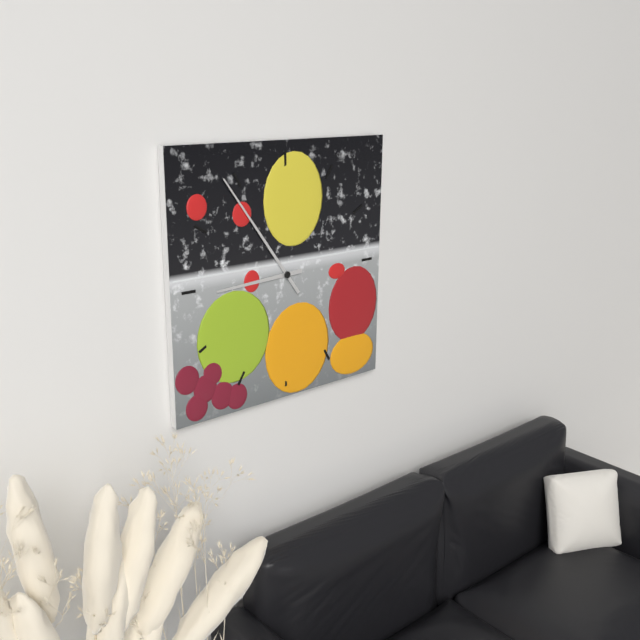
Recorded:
8 h 54 min
